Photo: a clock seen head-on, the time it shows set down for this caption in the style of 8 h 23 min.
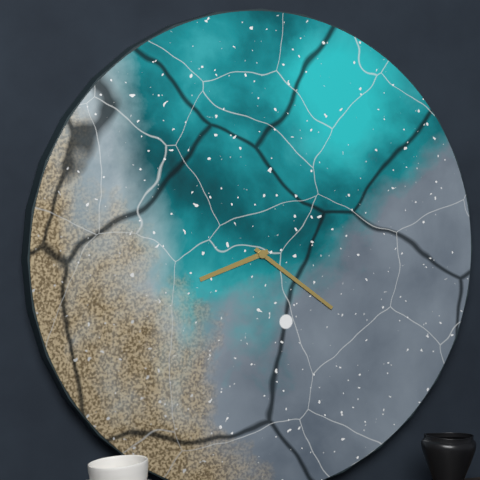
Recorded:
8 h 21 min
